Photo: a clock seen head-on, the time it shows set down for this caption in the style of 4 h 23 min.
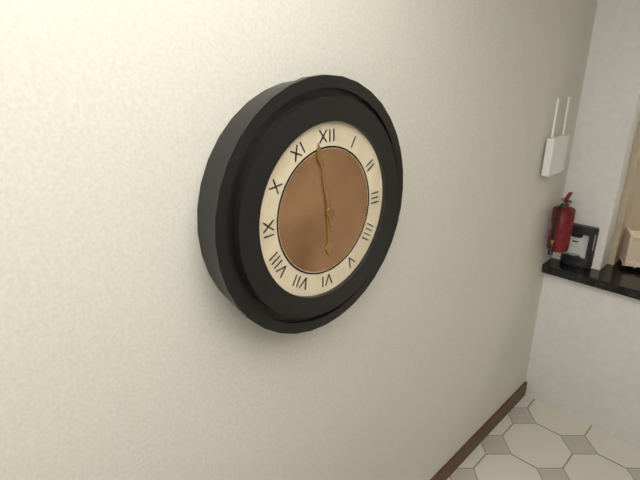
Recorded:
5 h 58 min
